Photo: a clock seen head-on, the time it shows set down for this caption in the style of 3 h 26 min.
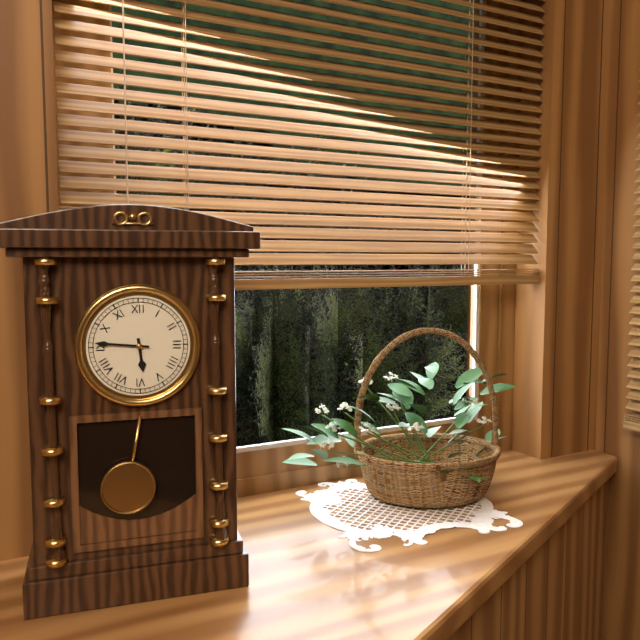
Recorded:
5 h 46 min
